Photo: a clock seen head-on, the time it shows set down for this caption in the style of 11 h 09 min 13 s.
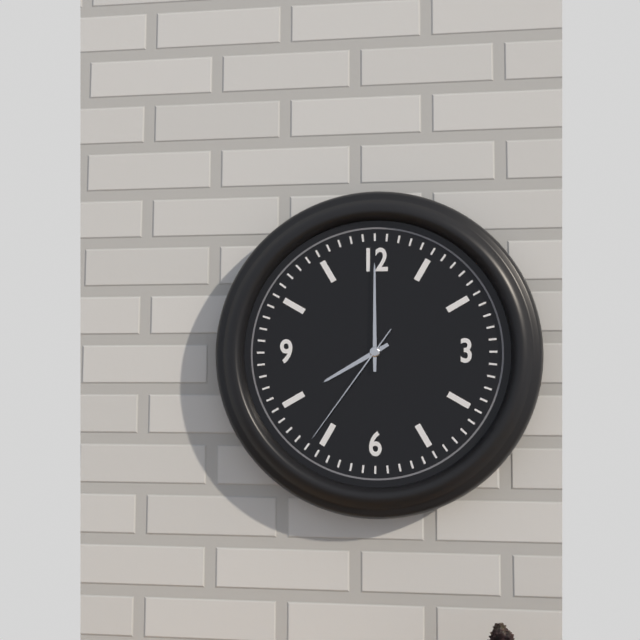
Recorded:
8 h 00 min 36 s
